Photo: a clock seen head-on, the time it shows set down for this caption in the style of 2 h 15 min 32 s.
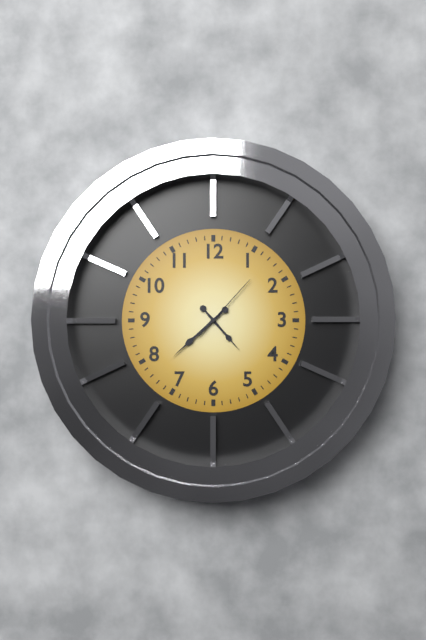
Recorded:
4 h 38 min 07 s
